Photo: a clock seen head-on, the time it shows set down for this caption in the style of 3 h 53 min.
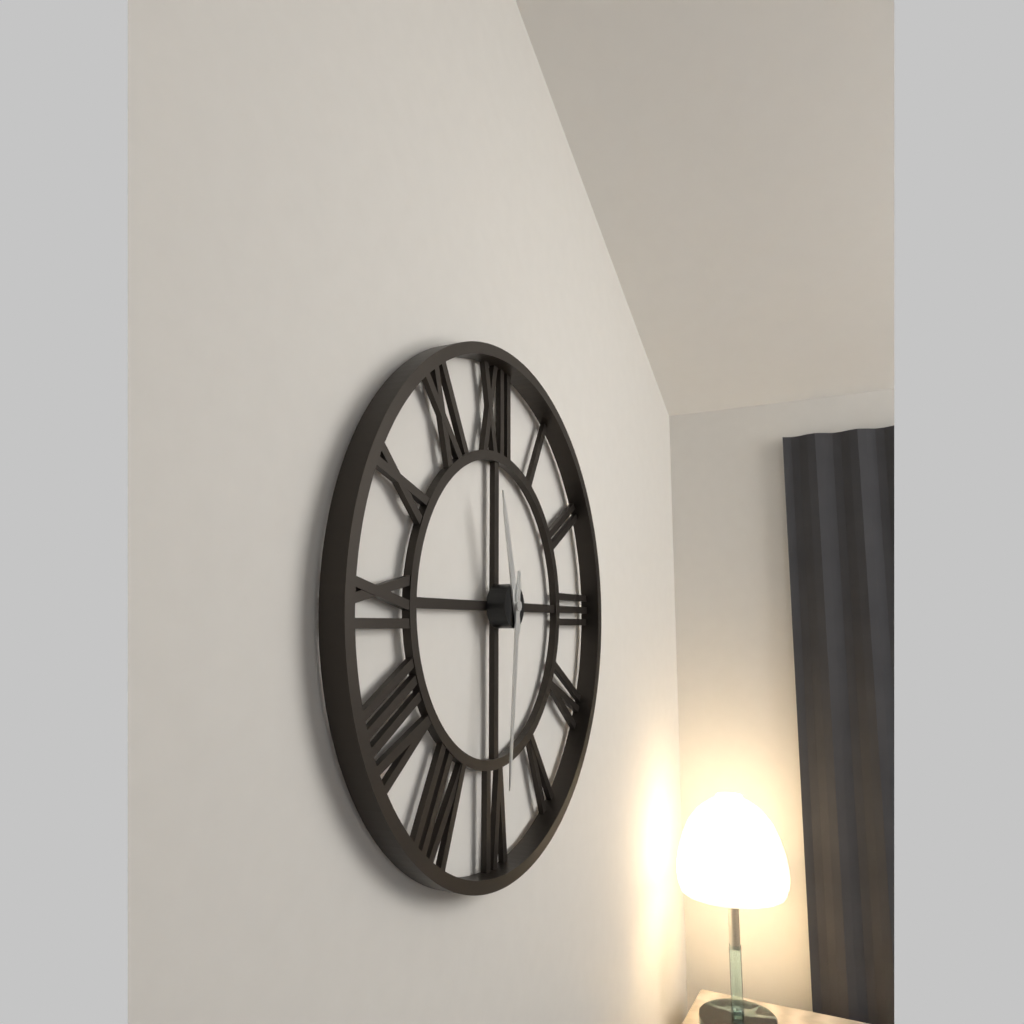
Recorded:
11 h 31 min
